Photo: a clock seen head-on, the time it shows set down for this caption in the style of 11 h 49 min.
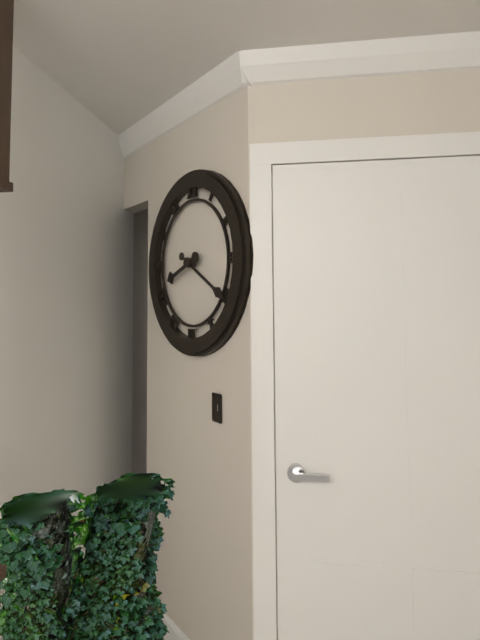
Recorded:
8 h 20 min
